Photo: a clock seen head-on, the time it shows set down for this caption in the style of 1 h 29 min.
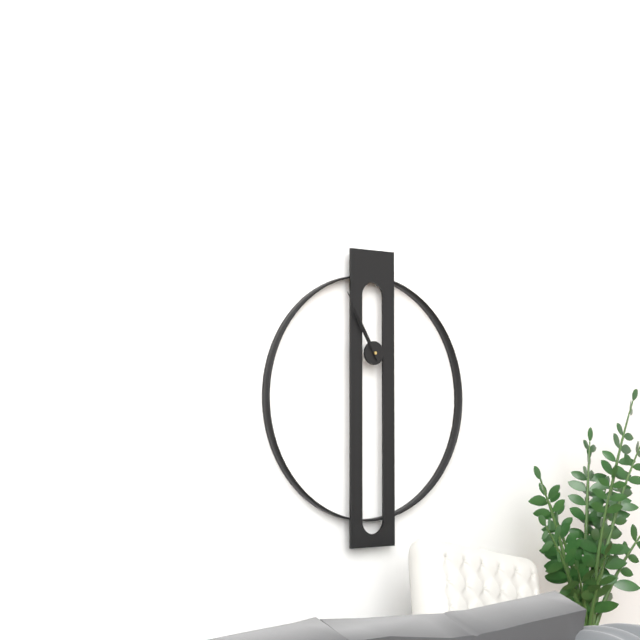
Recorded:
10 h 55 min
